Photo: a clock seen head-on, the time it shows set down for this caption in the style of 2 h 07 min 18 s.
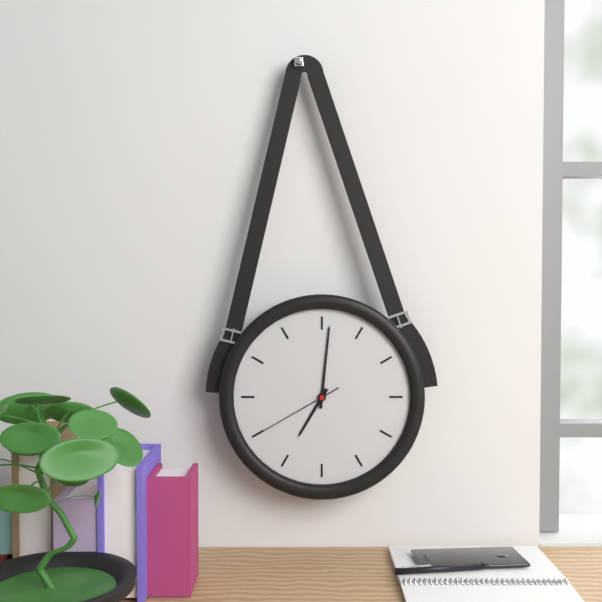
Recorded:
7 h 01 min 40 s
